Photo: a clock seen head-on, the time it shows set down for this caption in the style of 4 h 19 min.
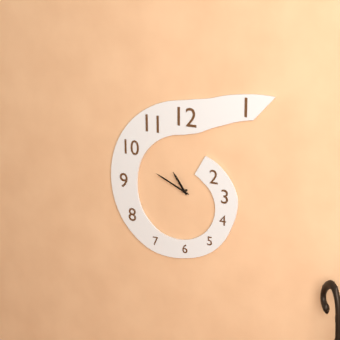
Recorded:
10 h 49 min
